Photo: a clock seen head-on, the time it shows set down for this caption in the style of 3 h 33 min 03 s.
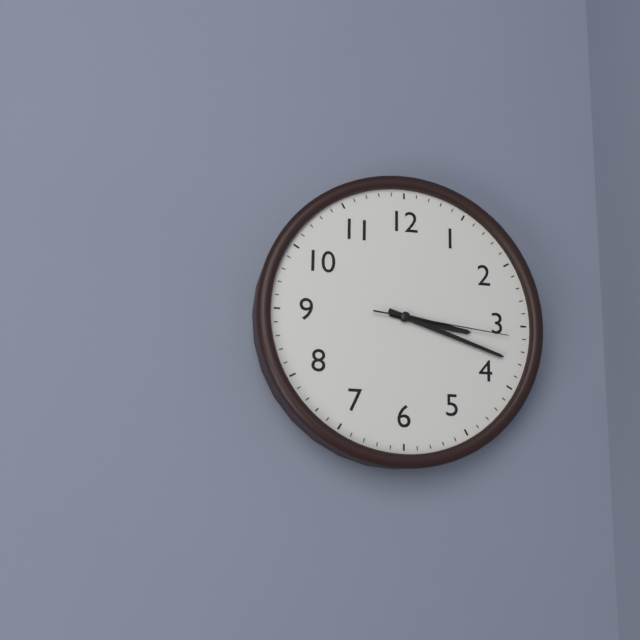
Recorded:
3 h 18 min 16 s
